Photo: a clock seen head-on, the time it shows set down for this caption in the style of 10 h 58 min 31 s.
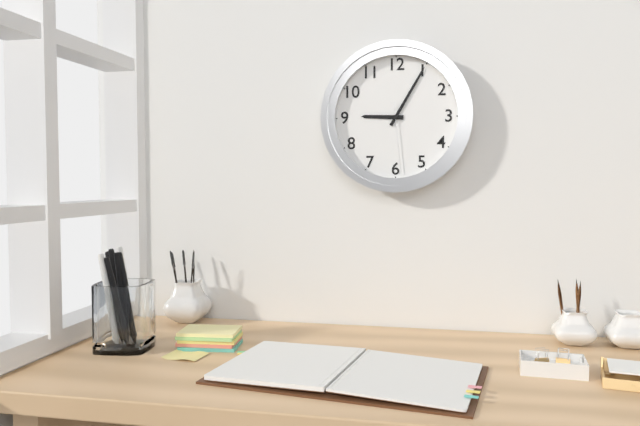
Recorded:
9 h 05 min 29 s
